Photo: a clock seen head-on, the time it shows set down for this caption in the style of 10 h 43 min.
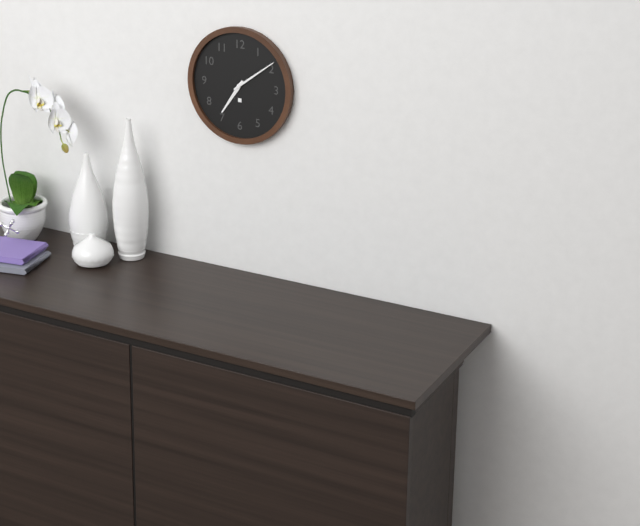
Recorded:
7 h 09 min
